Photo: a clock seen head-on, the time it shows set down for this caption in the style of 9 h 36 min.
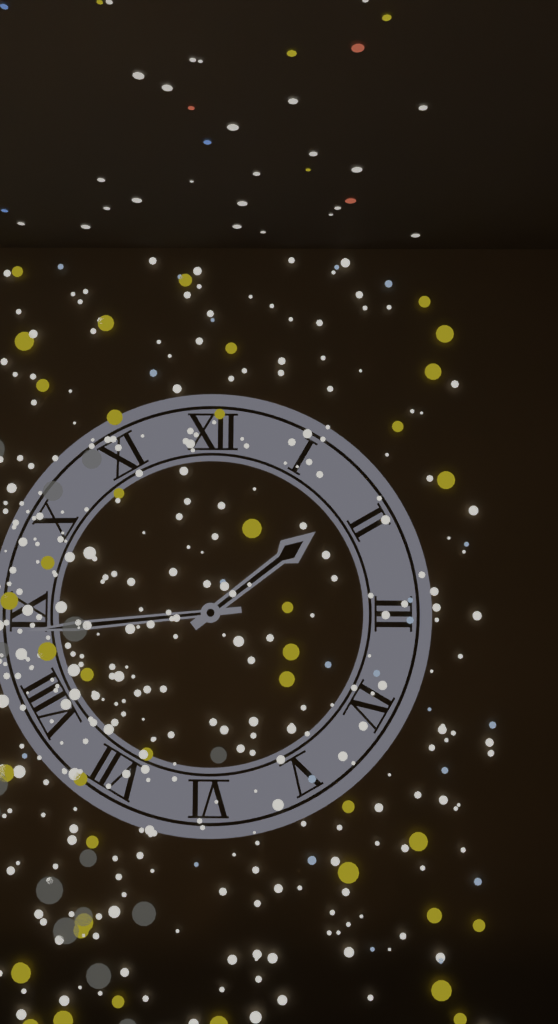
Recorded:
1 h 44 min
